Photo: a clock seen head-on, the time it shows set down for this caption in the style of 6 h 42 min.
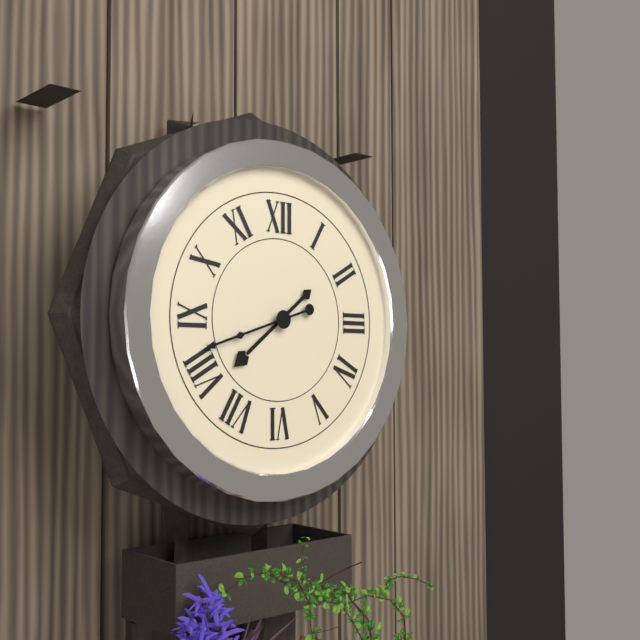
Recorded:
7 h 42 min
